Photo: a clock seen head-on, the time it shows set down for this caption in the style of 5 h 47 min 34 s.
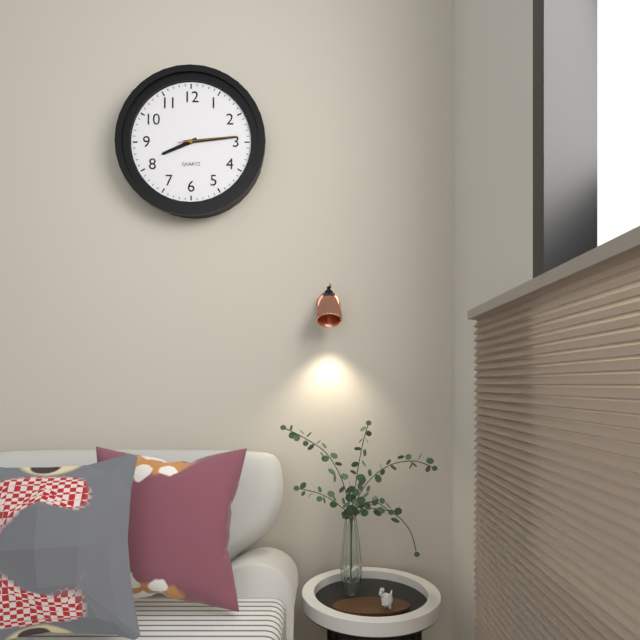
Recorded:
8 h 14 min 14 s
